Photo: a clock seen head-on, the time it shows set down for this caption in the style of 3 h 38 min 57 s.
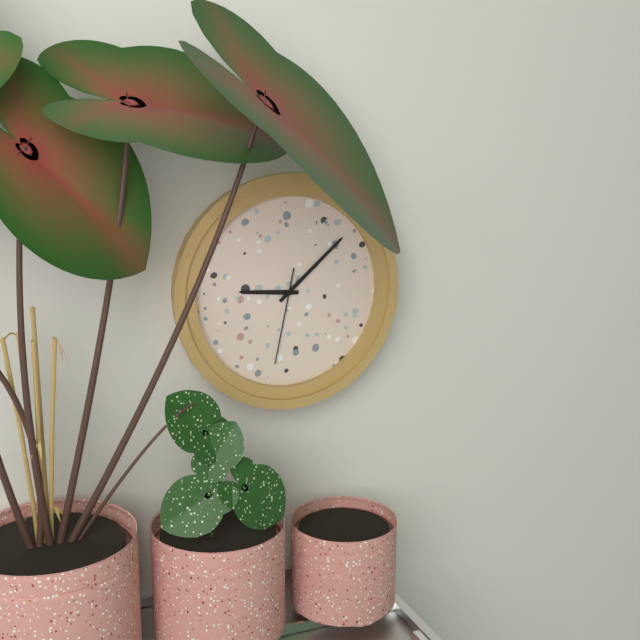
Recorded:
9 h 08 min 32 s
